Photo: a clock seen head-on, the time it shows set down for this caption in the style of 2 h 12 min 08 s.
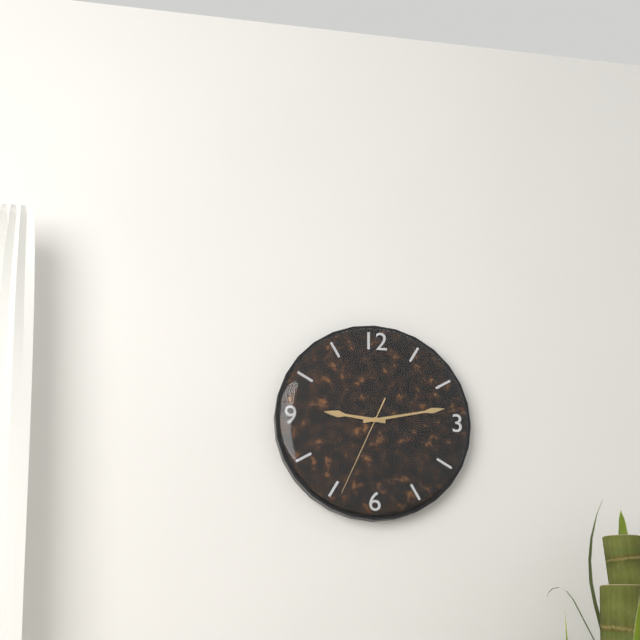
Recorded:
9 h 13 min 34 s
